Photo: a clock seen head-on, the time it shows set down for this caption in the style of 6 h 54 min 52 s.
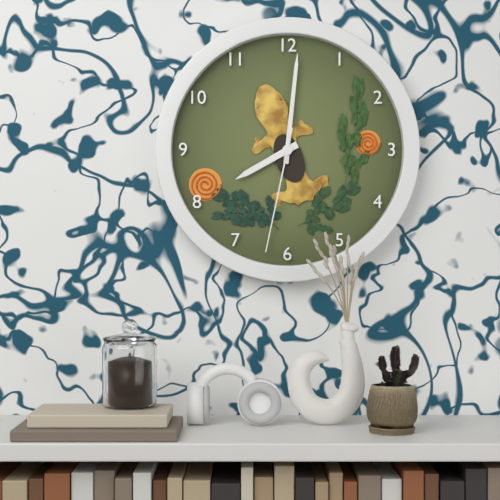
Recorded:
8 h 01 min 32 s
